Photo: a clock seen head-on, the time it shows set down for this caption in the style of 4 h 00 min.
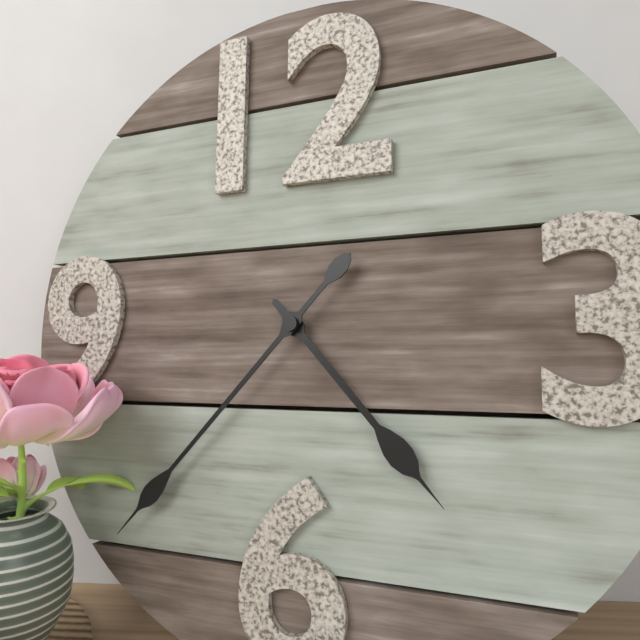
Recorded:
4 h 37 min
